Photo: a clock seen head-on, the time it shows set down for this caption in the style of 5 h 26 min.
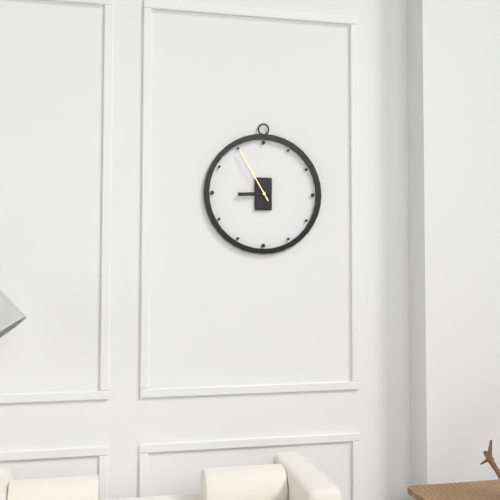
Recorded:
8 h 55 min
